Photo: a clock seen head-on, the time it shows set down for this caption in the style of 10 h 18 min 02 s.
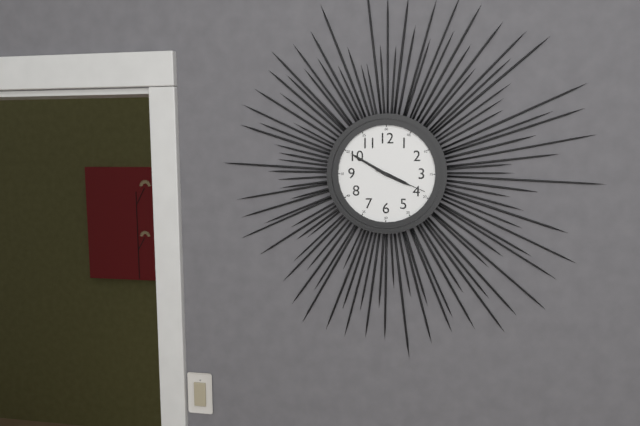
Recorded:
3 h 50 min 19 s
